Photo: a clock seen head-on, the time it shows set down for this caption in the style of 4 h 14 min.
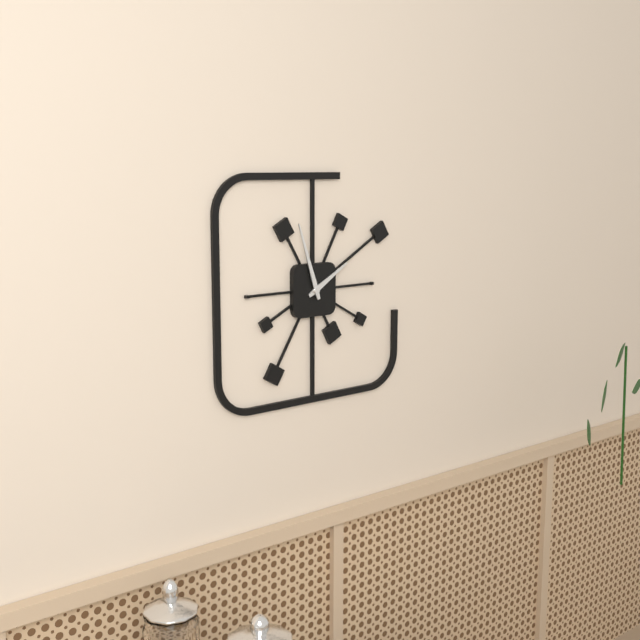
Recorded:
1 h 57 min
